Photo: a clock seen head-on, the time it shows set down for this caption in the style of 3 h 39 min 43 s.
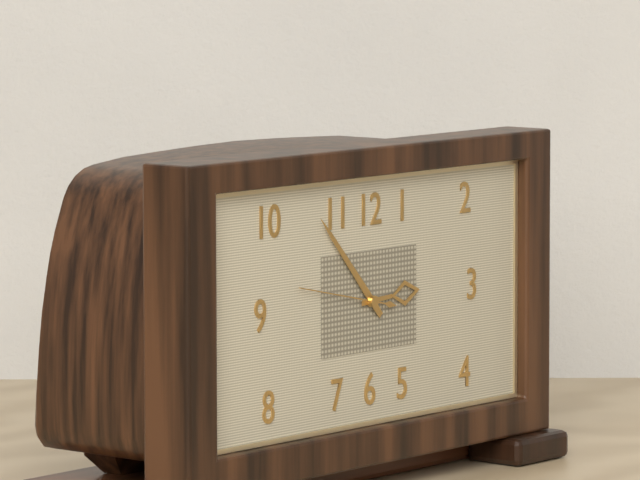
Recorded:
2 h 53 min 47 s
